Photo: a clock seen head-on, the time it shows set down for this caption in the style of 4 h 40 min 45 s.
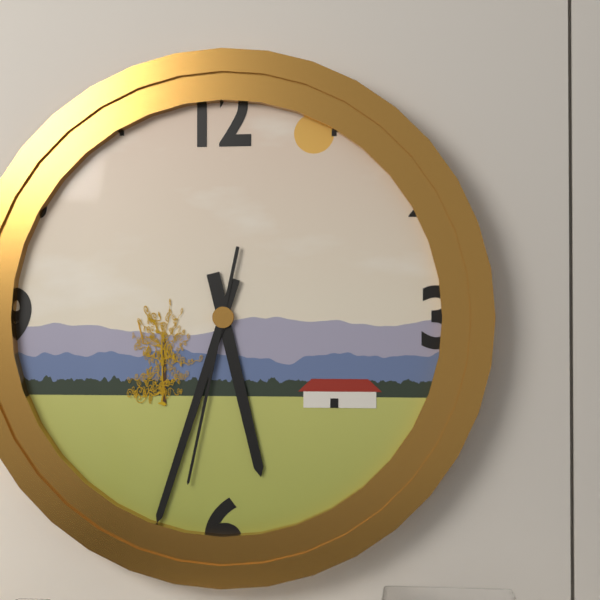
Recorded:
5 h 33 min 32 s
